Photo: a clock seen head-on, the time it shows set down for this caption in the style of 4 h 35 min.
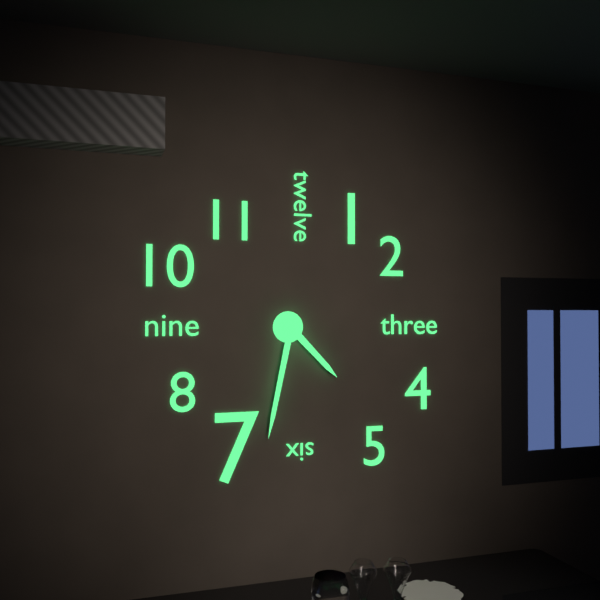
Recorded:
4 h 32 min
